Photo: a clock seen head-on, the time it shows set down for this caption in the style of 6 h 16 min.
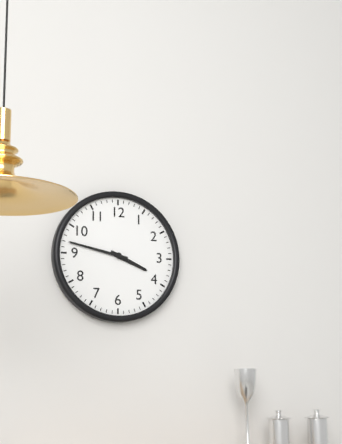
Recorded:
3 h 47 min
